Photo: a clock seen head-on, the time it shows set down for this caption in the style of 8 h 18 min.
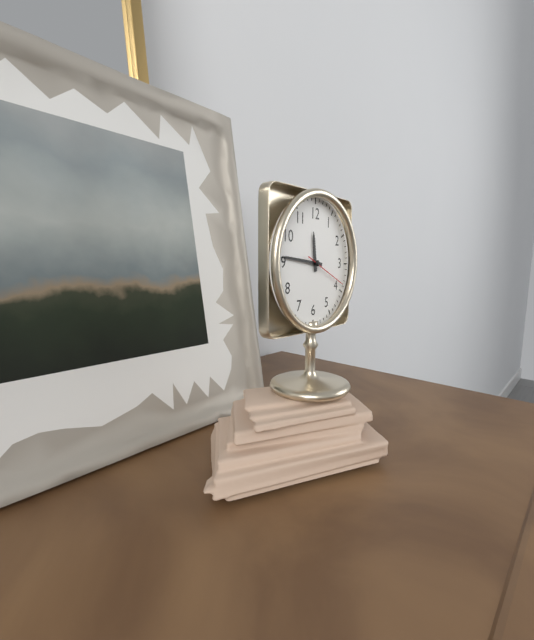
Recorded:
11 h 46 min
